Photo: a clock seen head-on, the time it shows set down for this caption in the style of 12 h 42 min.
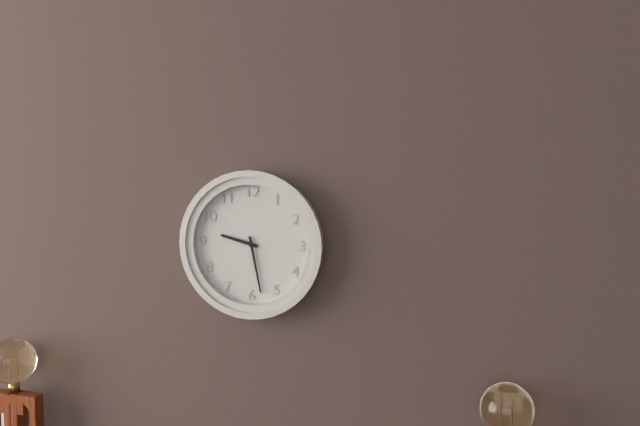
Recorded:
9 h 28 min
